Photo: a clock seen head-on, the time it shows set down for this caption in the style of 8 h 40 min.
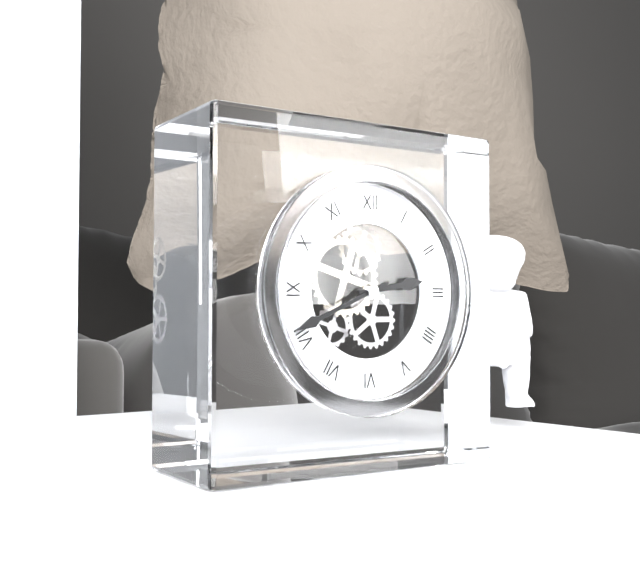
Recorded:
2 h 41 min
